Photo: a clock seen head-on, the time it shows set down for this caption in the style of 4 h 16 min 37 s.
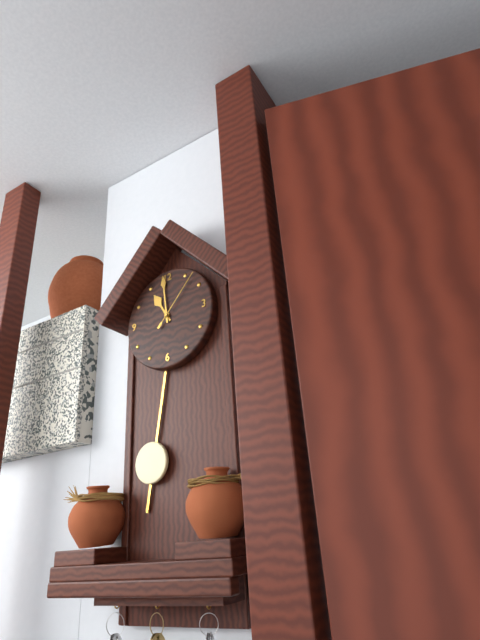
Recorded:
10 h 59 min 07 s
